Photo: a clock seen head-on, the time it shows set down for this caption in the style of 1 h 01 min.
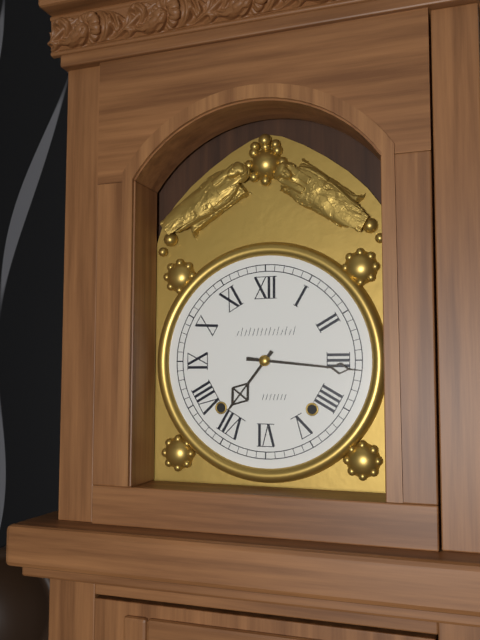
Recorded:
7 h 16 min
